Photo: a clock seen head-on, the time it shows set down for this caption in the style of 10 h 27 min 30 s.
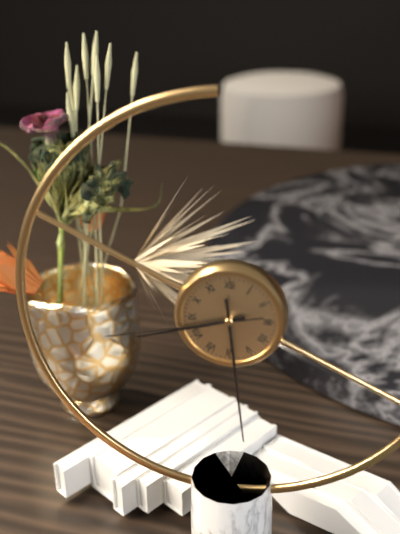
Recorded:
8 h 29 min 43 s
